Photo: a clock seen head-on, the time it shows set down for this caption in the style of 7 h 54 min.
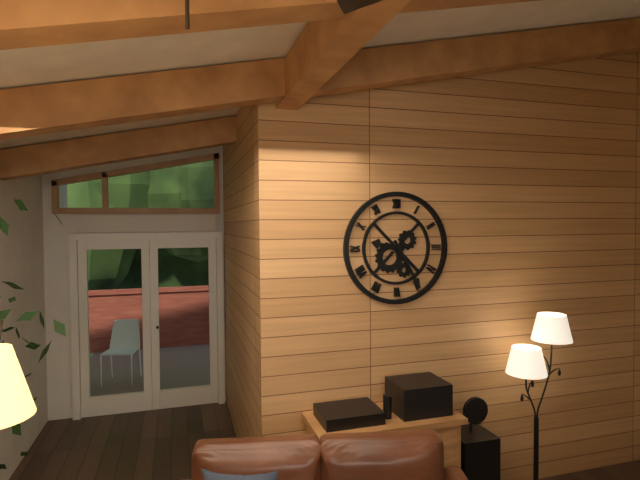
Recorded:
9 h 25 min
